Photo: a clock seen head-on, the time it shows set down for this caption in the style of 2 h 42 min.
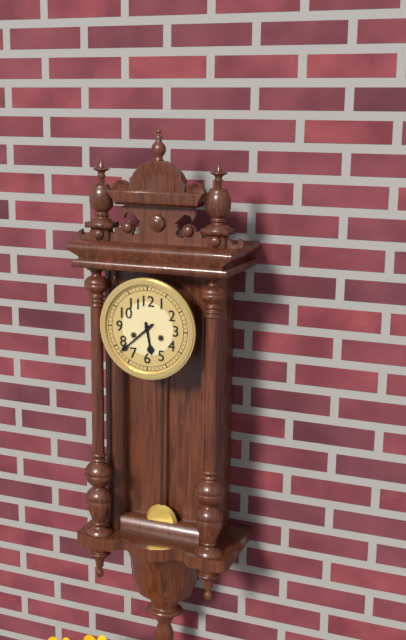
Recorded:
5 h 38 min
